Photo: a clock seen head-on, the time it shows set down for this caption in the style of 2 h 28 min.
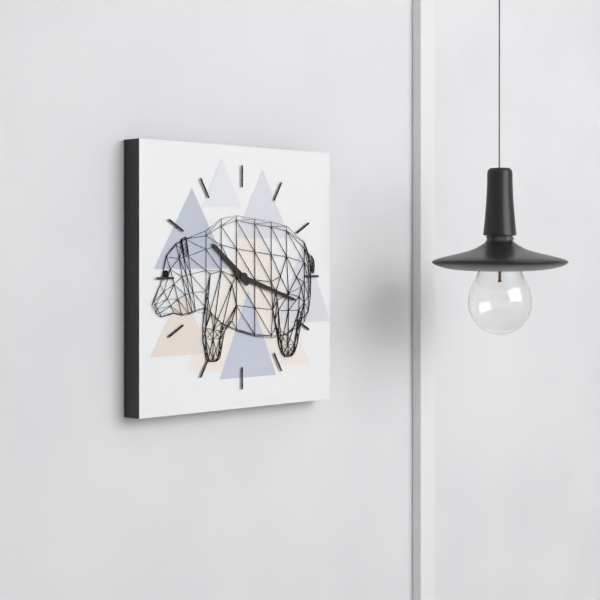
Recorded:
10 h 18 min
